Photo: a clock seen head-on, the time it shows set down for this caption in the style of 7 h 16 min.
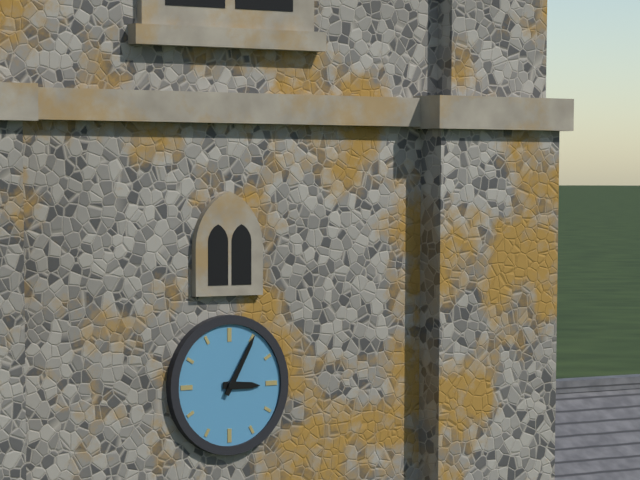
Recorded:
3 h 05 min
